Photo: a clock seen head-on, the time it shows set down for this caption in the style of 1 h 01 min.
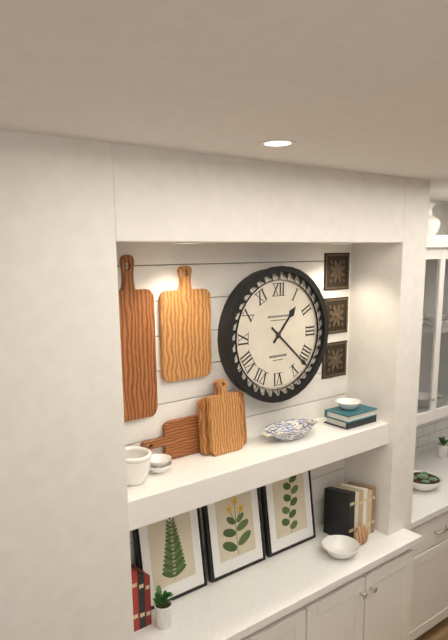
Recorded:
1 h 22 min
